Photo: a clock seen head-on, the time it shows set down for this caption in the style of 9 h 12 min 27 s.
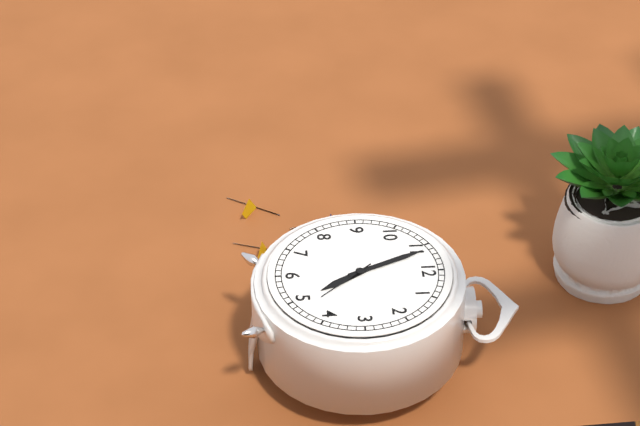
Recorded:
4 h 56 min 23 s
